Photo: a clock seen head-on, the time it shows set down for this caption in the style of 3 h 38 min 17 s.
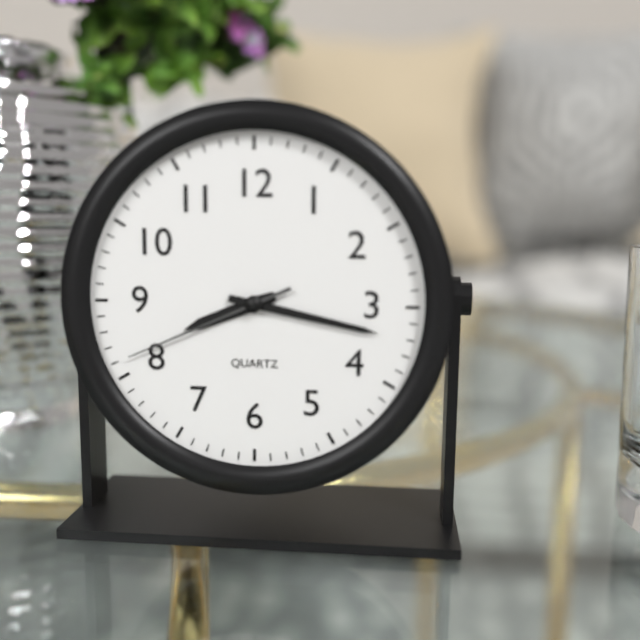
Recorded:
8 h 17 min 41 s
